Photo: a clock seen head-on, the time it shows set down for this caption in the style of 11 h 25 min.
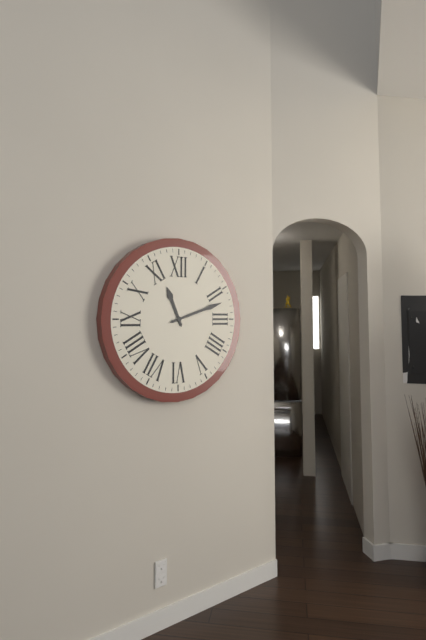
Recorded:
11 h 12 min
